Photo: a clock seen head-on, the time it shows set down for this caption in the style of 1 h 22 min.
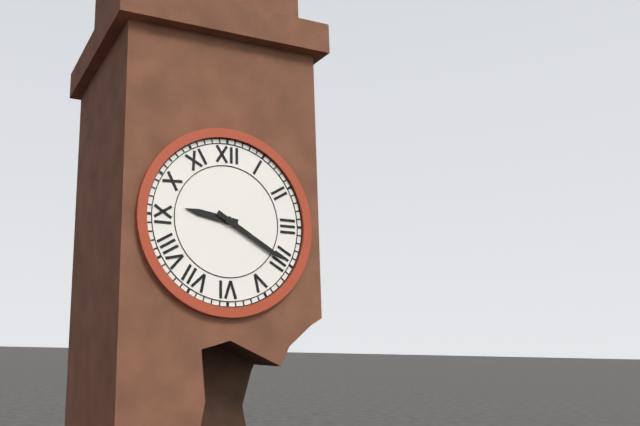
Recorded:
9 h 20 min
